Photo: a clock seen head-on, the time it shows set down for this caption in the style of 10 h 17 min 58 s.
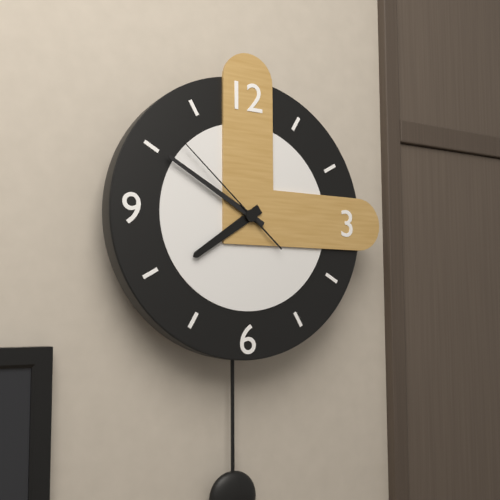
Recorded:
7 h 50 min 52 s
